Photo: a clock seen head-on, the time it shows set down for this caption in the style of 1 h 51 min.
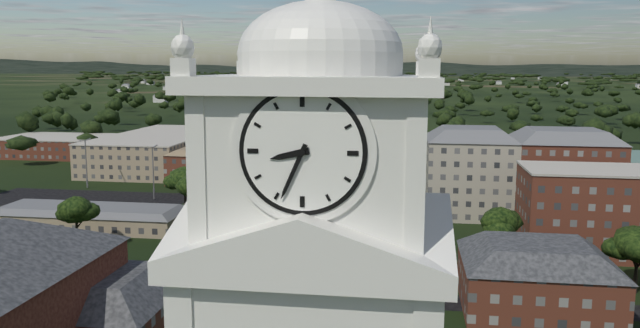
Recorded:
8 h 34 min
